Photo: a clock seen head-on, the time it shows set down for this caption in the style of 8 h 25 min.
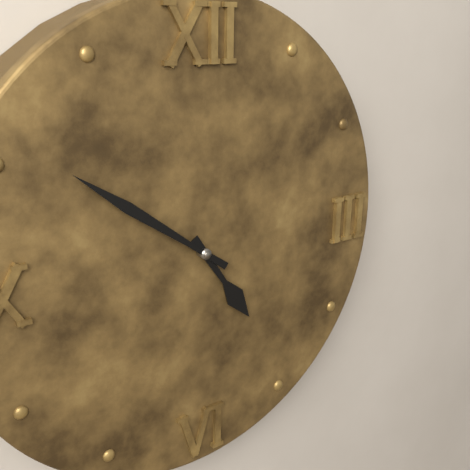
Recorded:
4 h 51 min
